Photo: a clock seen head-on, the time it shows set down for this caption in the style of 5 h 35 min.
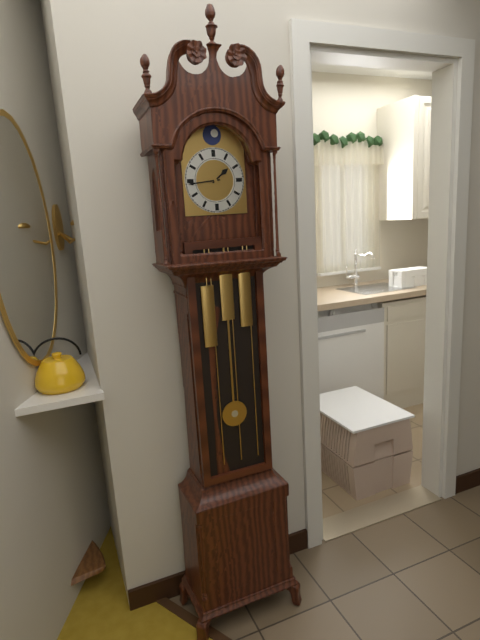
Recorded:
1 h 44 min
